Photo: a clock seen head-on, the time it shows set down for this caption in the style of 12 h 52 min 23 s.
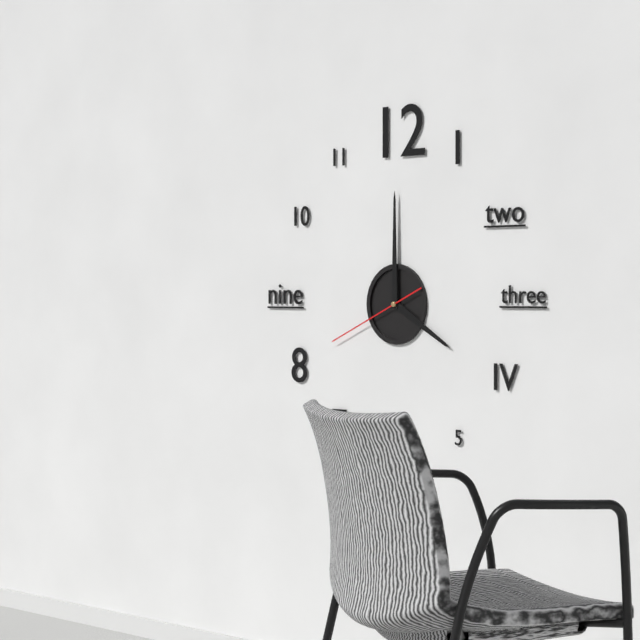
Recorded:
4 h 00 min 41 s
